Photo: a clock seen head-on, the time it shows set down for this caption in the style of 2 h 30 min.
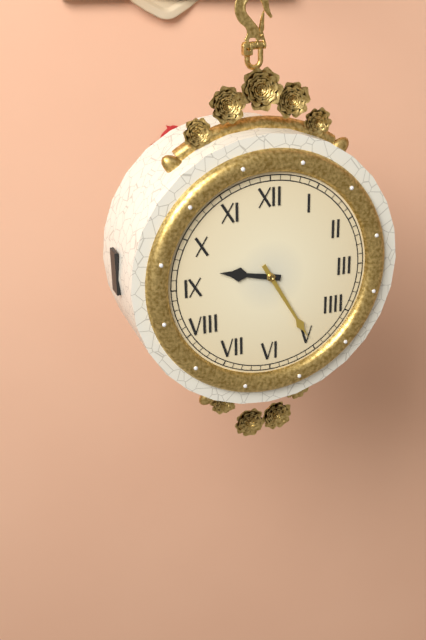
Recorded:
9 h 25 min
